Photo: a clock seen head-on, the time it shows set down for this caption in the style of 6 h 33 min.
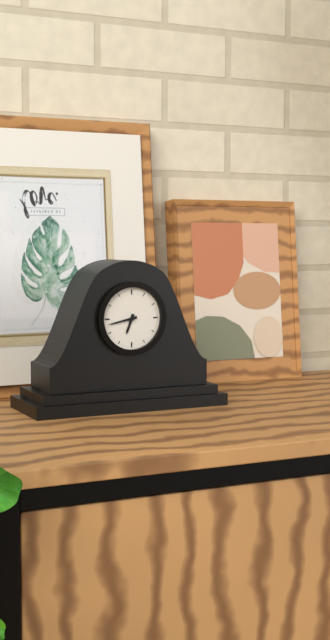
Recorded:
6 h 43 min
